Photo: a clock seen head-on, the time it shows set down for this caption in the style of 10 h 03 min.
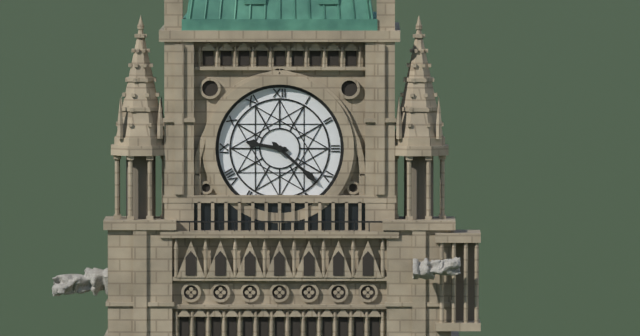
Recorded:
9 h 22 min
